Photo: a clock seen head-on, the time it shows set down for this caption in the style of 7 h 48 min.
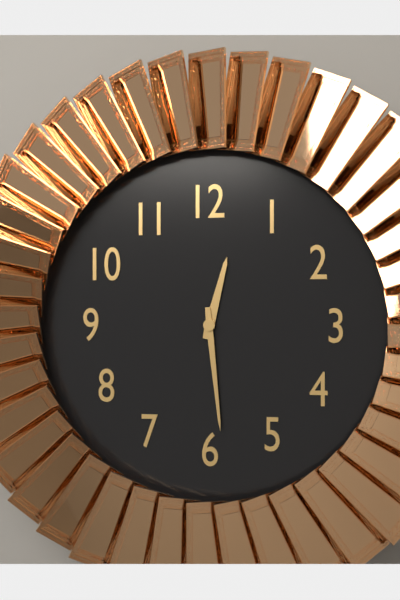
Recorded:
12 h 29 min
